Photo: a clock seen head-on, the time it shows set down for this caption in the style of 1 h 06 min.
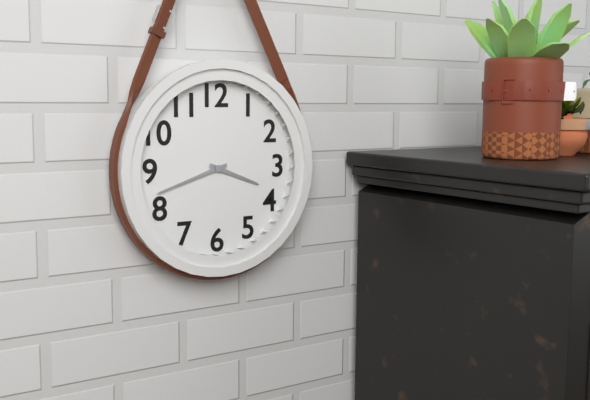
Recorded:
3 h 42 min
